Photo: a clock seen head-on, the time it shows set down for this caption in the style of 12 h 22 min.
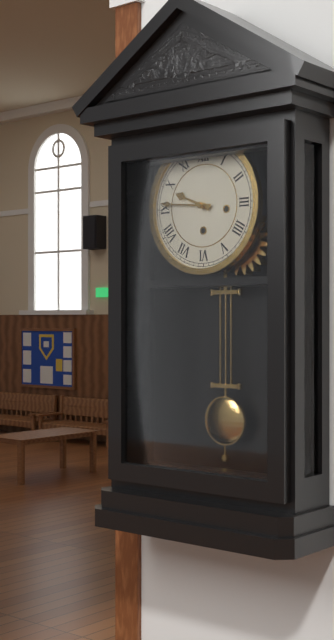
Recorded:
9 h 46 min
